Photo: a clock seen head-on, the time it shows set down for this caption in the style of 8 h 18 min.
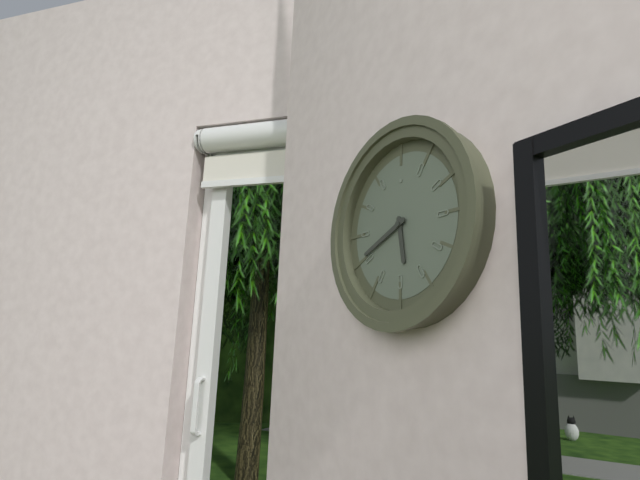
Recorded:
5 h 41 min
